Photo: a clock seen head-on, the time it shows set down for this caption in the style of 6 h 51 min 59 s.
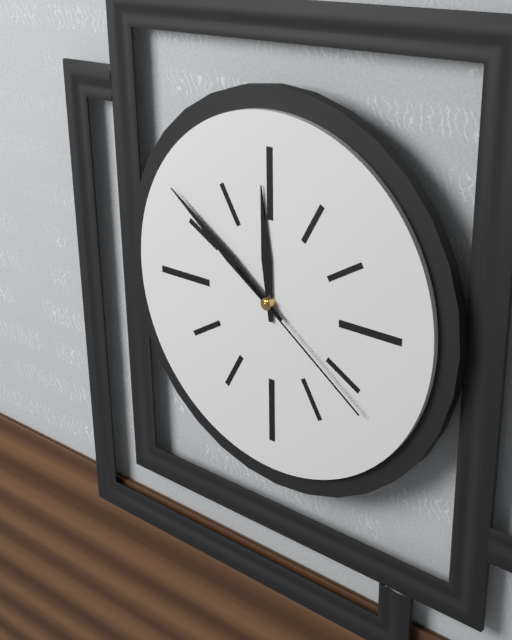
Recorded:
11 h 51 min 21 s
